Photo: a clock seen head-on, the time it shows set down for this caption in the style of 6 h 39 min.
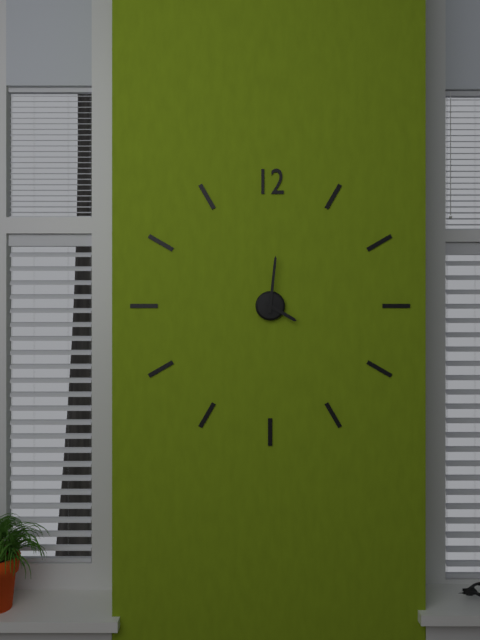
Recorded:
4 h 01 min
